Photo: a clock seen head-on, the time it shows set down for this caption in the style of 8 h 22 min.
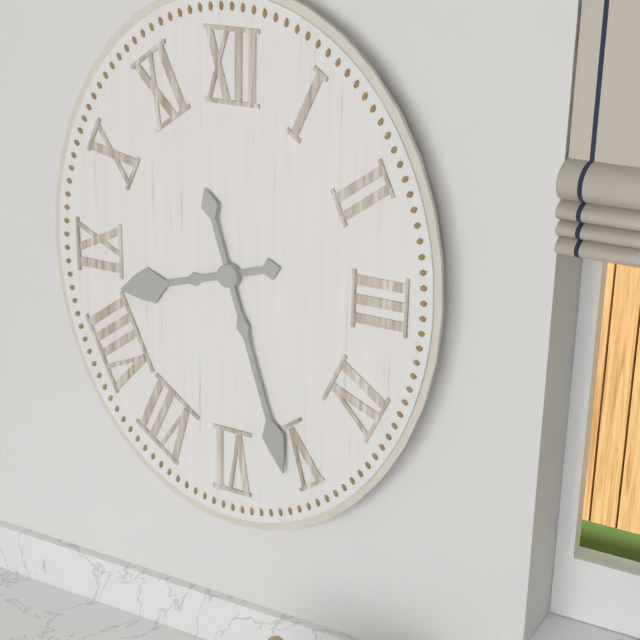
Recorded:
8 h 27 min
